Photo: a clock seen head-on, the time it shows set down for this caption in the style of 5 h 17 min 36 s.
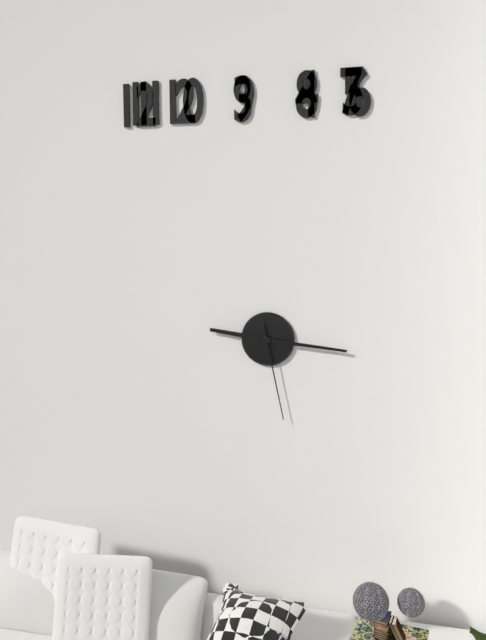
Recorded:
9 h 16 min 28 s
